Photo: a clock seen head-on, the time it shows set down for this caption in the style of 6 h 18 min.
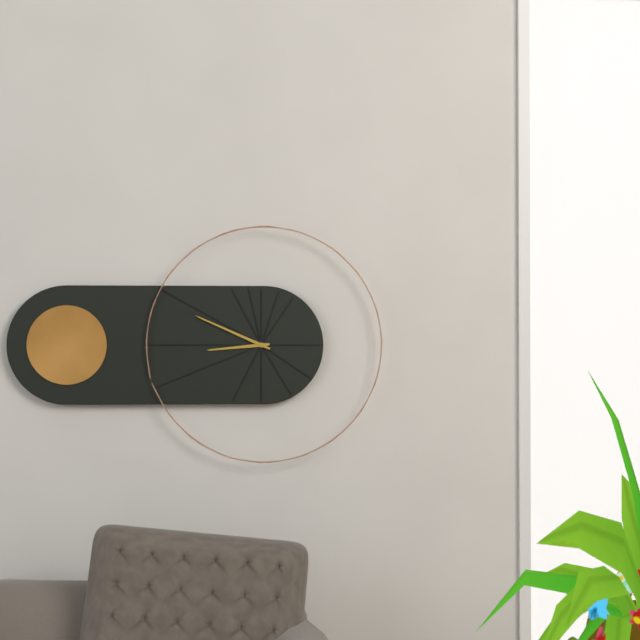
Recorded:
8 h 49 min
